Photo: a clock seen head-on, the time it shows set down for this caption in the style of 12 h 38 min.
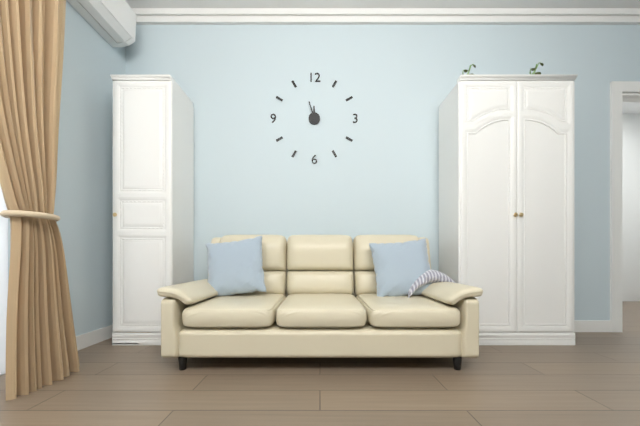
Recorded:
11 h 57 min
